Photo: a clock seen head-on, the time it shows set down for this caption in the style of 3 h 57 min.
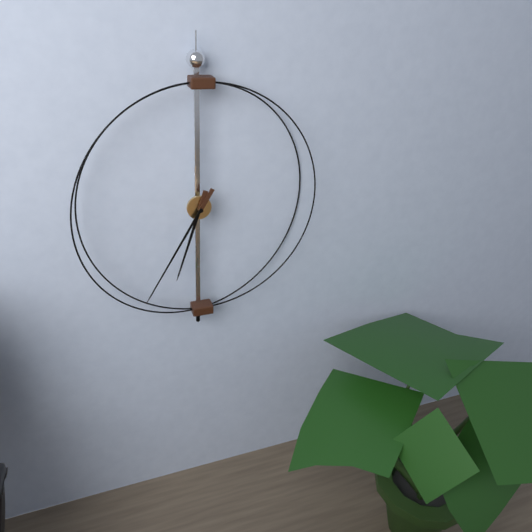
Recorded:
6 h 35 min
